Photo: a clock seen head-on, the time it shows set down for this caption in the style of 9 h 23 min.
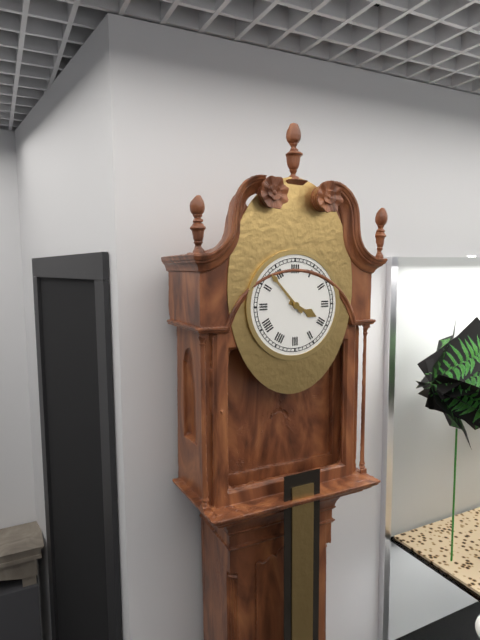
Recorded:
3 h 53 min
